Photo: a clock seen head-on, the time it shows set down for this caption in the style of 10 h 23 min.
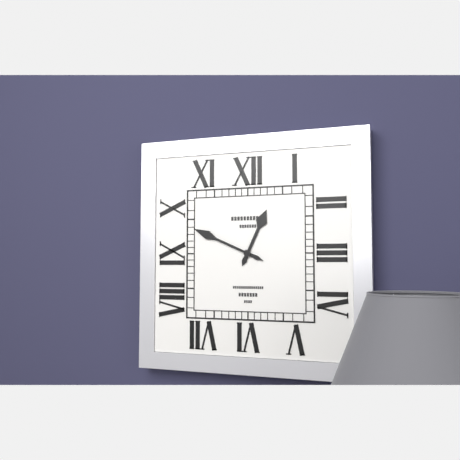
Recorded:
12 h 49 min
